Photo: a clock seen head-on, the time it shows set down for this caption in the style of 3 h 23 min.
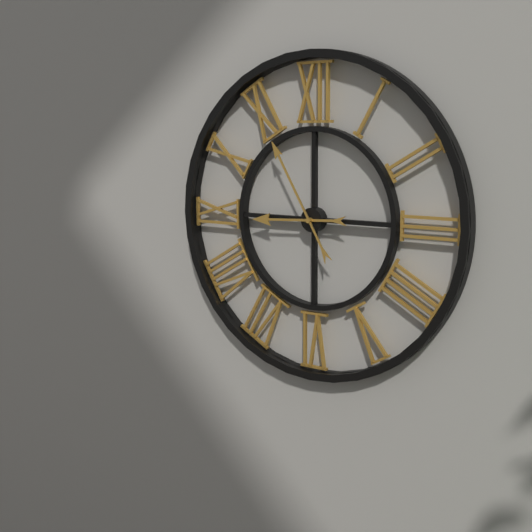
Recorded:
8 h 55 min
